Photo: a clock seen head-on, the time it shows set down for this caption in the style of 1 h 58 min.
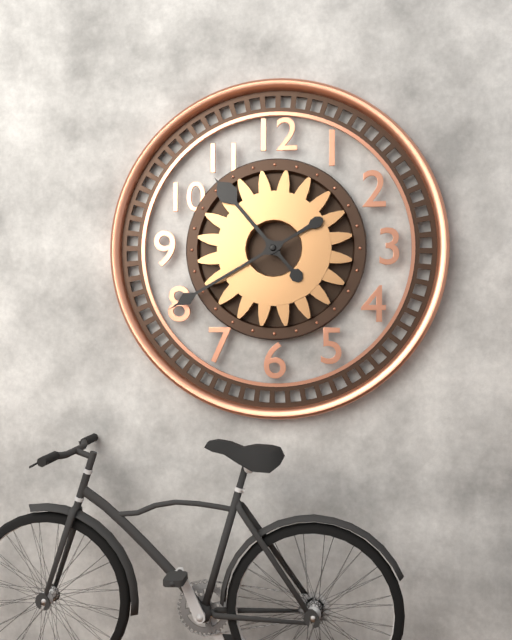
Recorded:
10 h 40 min
